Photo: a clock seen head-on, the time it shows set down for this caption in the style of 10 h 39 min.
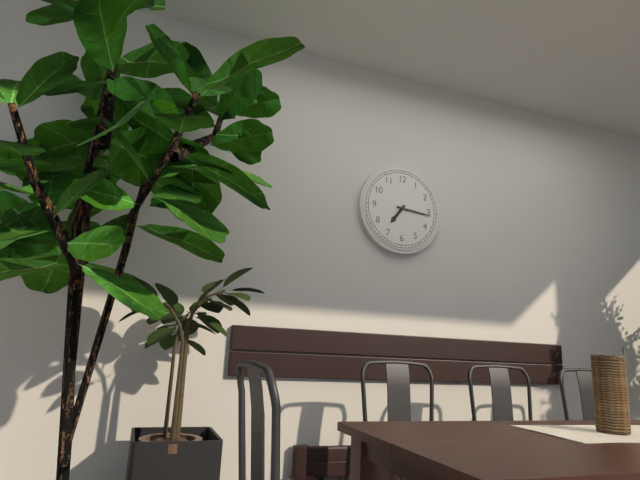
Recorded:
7 h 16 min
